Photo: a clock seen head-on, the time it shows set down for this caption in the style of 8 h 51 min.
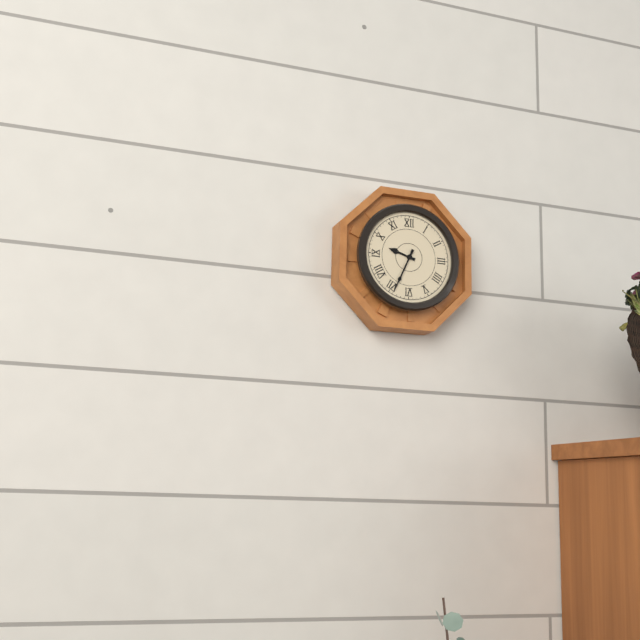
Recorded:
9 h 34 min
